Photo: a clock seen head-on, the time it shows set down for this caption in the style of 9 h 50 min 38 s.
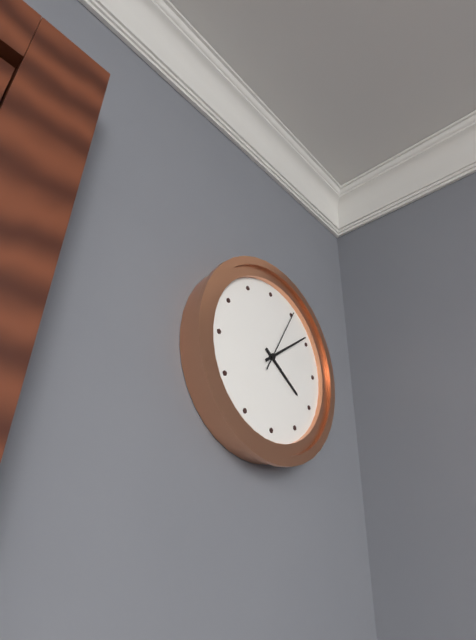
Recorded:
4 h 09 min 05 s
